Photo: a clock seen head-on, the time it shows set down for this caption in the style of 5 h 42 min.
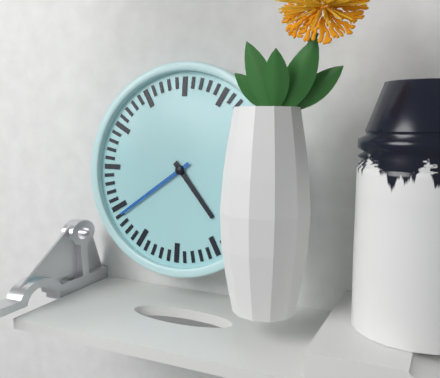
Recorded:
4 h 39 min
